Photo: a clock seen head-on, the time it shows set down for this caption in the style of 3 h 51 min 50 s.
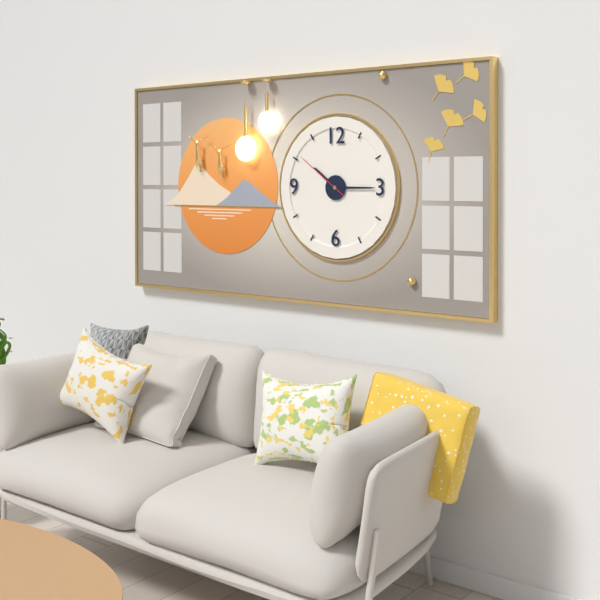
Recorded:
10 h 15 min 51 s
